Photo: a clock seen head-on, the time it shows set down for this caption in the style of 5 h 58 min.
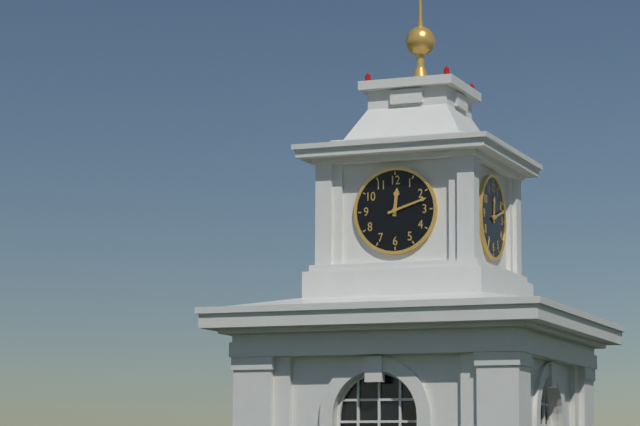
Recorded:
12 h 12 min
